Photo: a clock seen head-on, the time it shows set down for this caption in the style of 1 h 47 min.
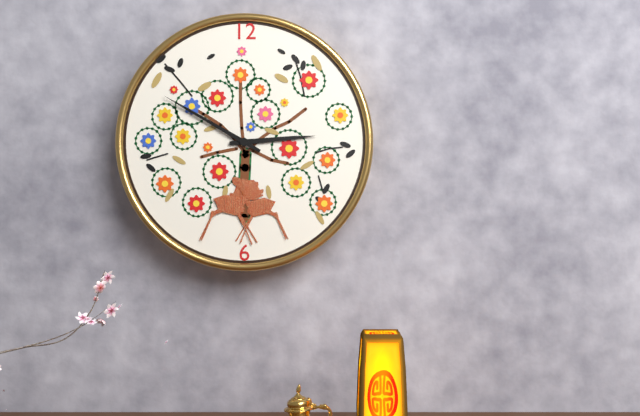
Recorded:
2 h 50 min
